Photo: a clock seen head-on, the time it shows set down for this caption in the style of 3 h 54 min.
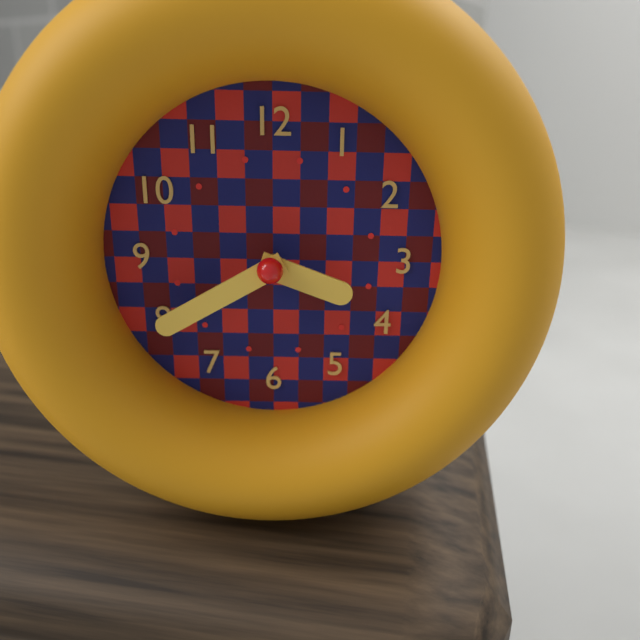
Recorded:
3 h 40 min
